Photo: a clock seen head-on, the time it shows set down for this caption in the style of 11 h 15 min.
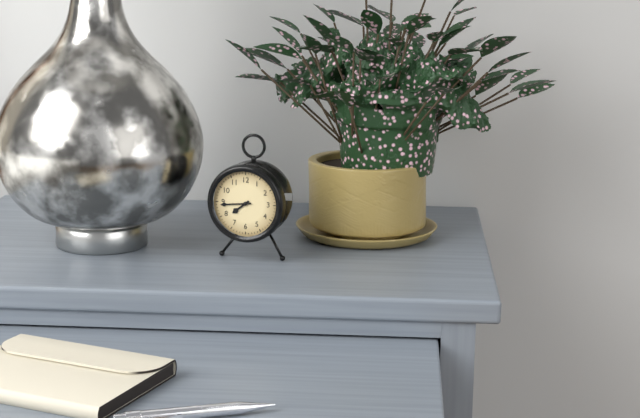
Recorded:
7 h 44 min
